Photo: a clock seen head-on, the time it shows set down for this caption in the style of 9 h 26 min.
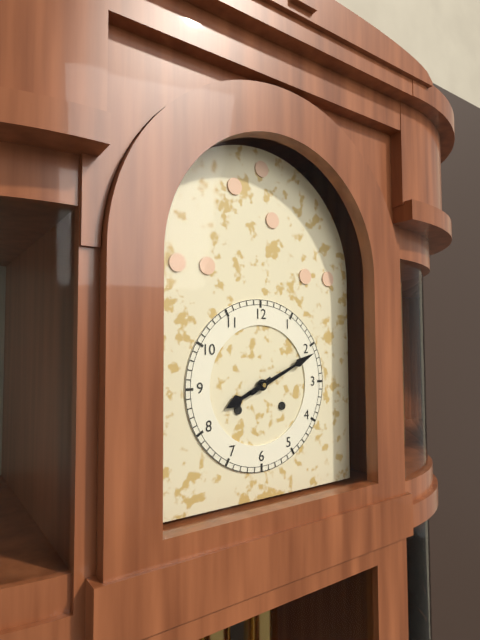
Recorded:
8 h 11 min
